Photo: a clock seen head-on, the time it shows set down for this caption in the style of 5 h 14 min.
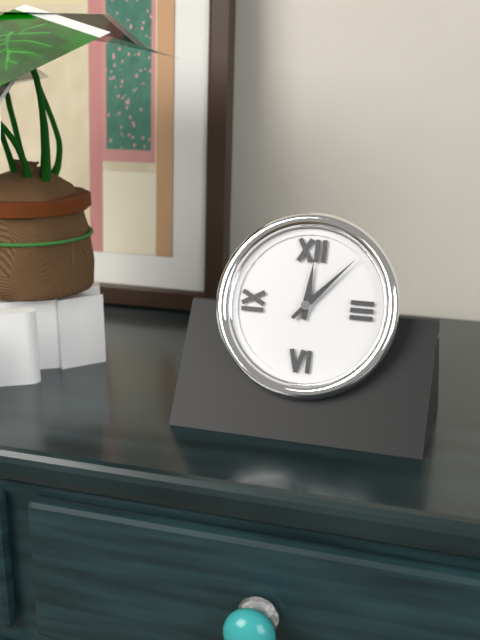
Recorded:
12 h 07 min
